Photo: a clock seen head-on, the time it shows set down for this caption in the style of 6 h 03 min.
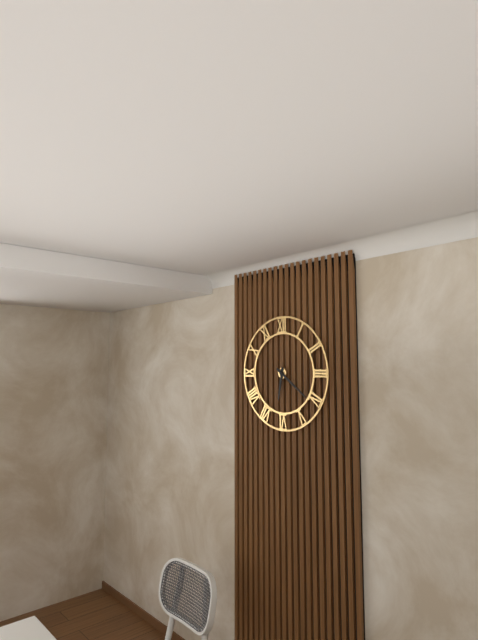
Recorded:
6 h 21 min
